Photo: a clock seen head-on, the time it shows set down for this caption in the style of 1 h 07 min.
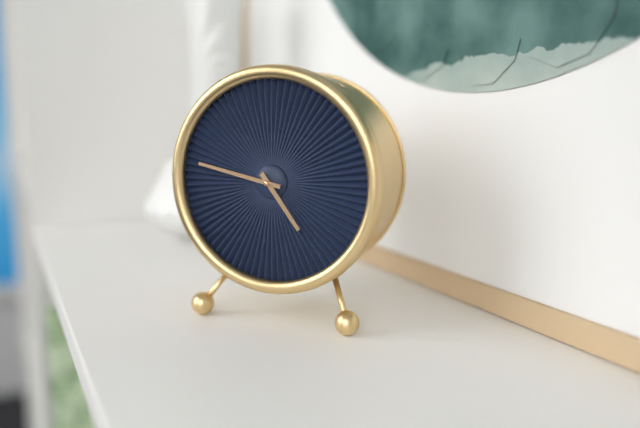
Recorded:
4 h 47 min
